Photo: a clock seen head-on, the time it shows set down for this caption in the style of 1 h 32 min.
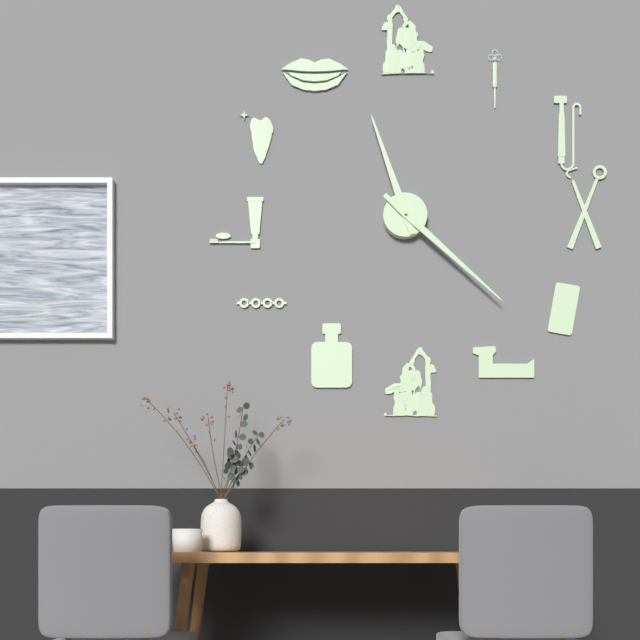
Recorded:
11 h 22 min
